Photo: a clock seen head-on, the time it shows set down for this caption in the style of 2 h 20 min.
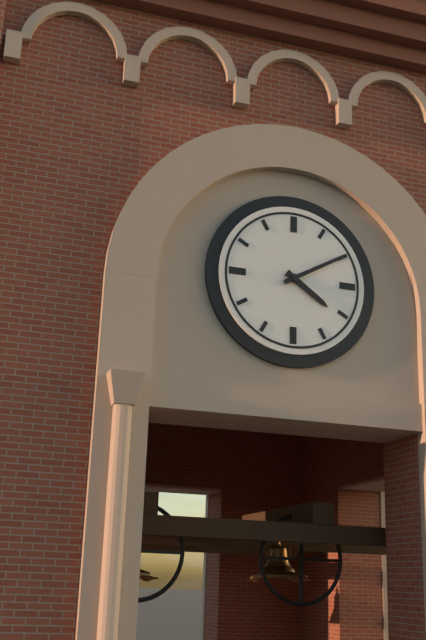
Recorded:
4 h 10 min
